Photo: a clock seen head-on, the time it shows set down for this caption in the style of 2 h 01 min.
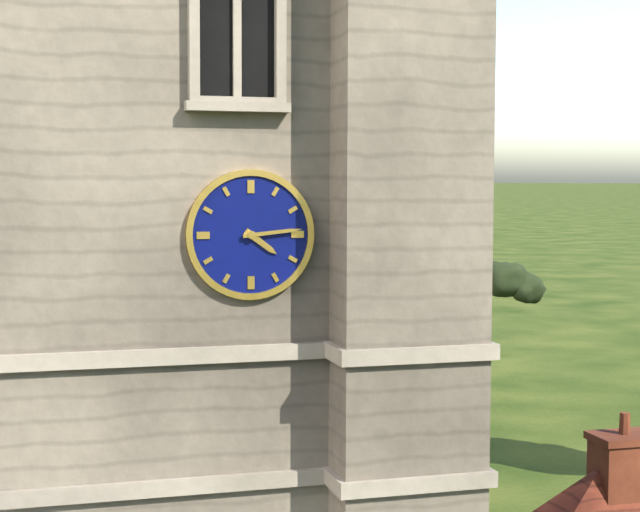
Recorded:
4 h 14 min
